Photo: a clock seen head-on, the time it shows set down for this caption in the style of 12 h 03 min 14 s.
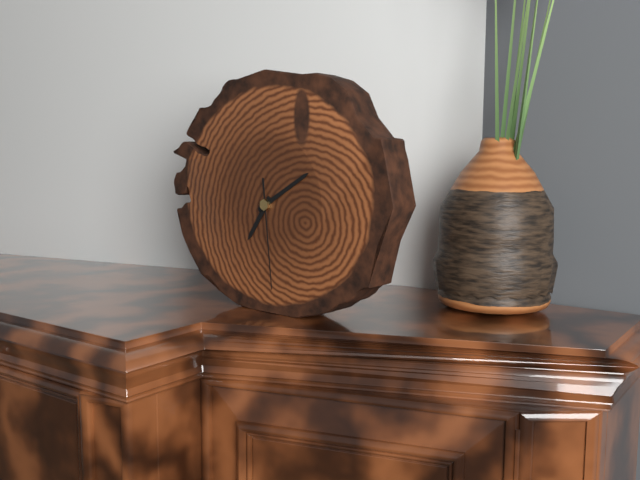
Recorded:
7 h 10 min 29 s
